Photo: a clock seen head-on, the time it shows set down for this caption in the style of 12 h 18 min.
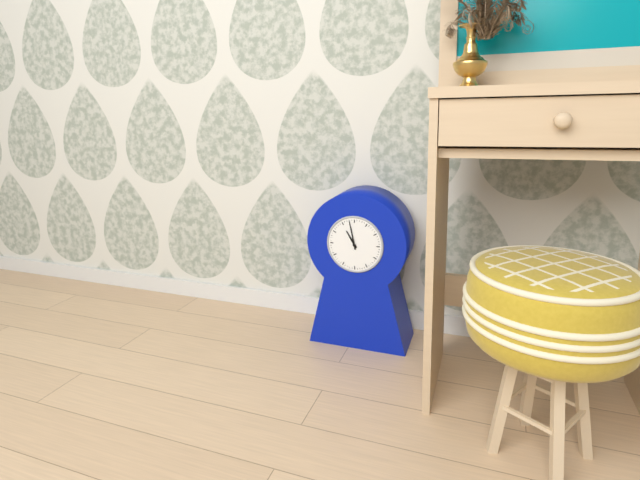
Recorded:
10 h 58 min
